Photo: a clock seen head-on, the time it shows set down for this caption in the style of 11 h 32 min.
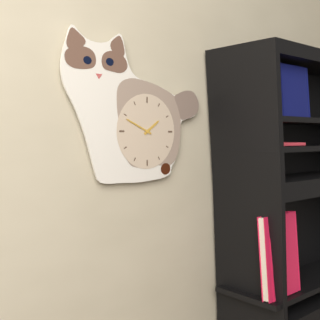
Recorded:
1 h 49 min
